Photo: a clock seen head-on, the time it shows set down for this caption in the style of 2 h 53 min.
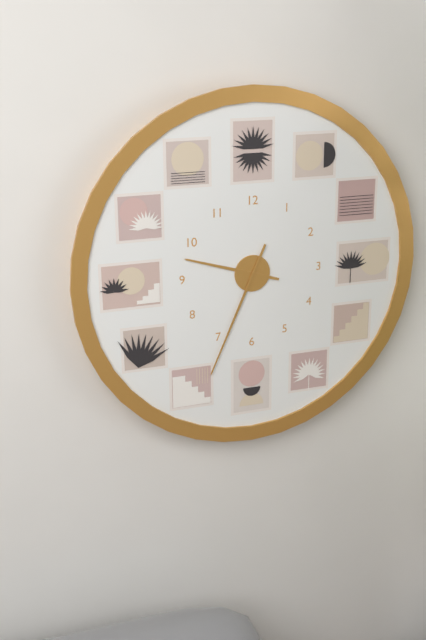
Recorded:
9 h 34 min
